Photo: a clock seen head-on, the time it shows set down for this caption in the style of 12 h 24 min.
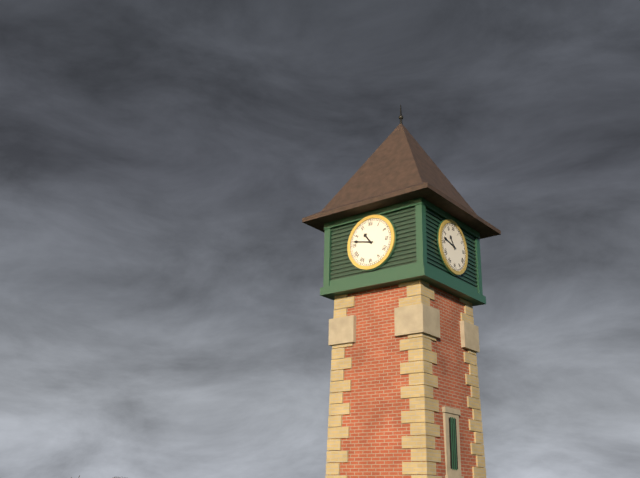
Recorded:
10 h 47 min
